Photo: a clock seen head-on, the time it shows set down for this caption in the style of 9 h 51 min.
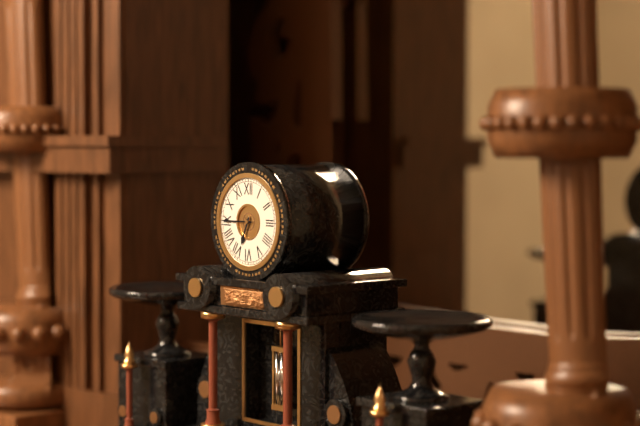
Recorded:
6 h 45 min
